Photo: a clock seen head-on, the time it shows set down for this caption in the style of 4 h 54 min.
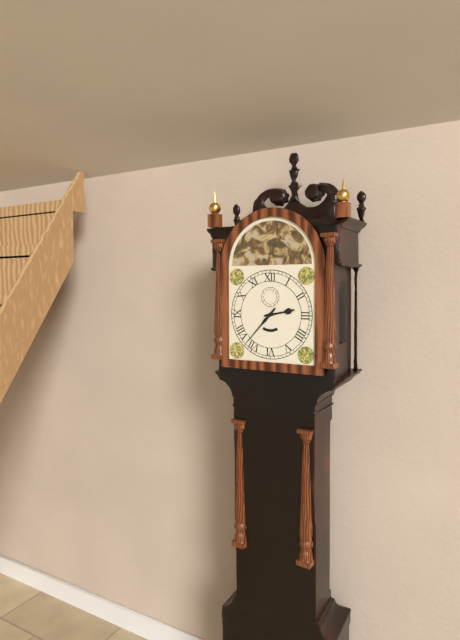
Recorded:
2 h 37 min
